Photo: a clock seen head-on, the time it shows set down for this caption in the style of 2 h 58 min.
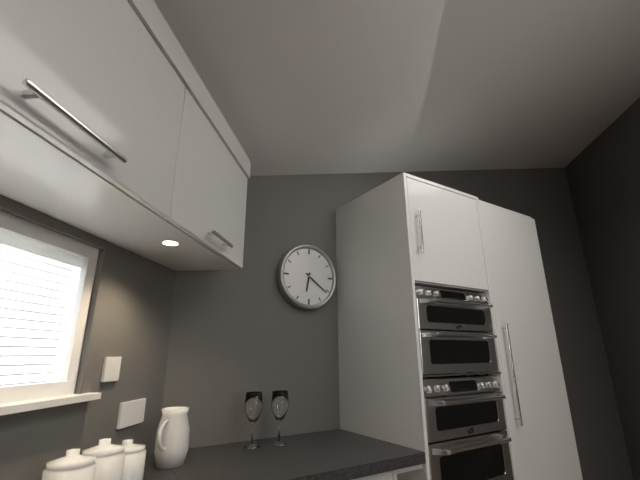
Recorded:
6 h 21 min
